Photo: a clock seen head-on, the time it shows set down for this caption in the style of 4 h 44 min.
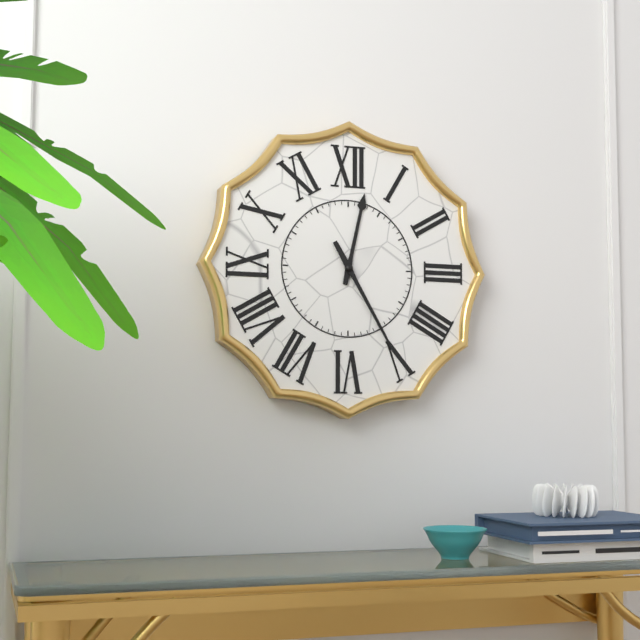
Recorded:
12 h 25 min
